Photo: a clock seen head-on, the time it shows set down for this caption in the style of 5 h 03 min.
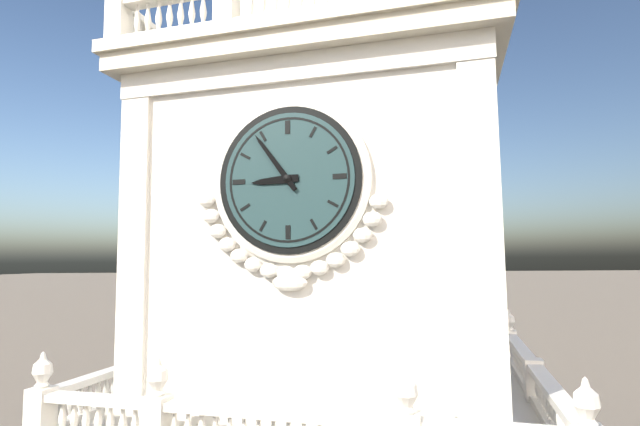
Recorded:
8 h 54 min
